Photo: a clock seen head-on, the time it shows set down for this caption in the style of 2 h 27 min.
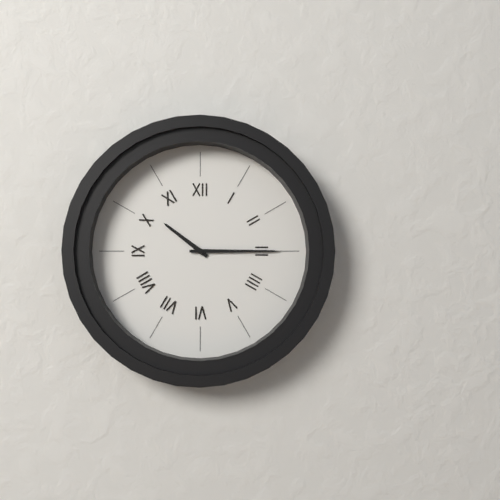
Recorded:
10 h 15 min
